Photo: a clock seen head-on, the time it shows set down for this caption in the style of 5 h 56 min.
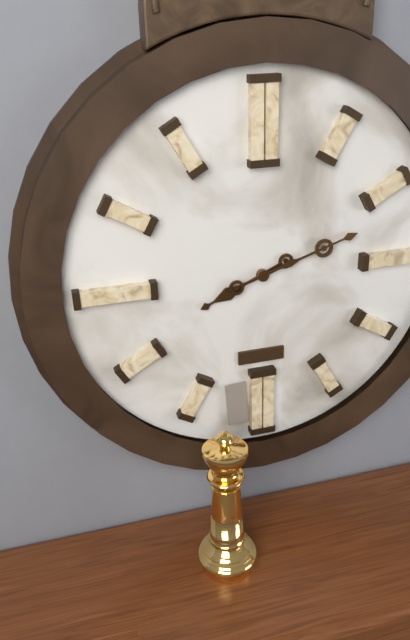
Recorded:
8 h 12 min
